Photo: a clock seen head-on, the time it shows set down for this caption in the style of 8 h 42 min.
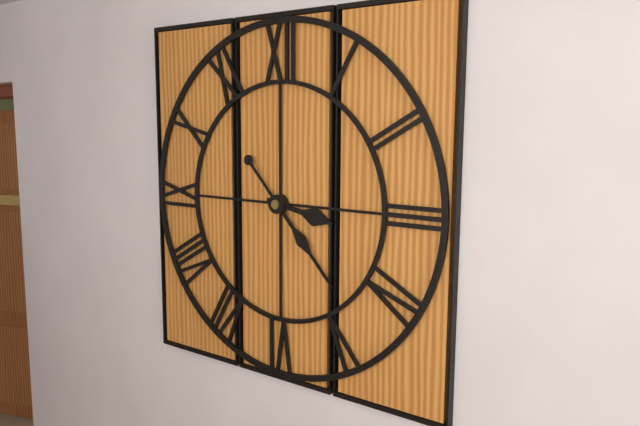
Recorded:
3 h 23 min
